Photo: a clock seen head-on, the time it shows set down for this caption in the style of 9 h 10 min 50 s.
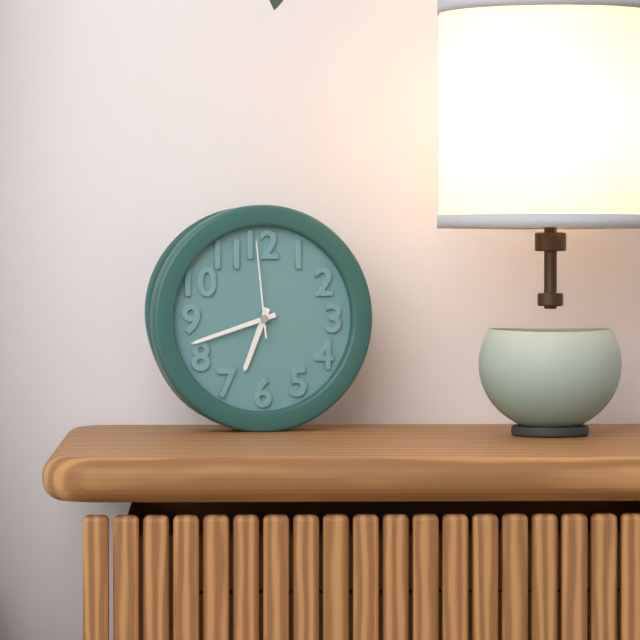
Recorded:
6 h 42 min 59 s
